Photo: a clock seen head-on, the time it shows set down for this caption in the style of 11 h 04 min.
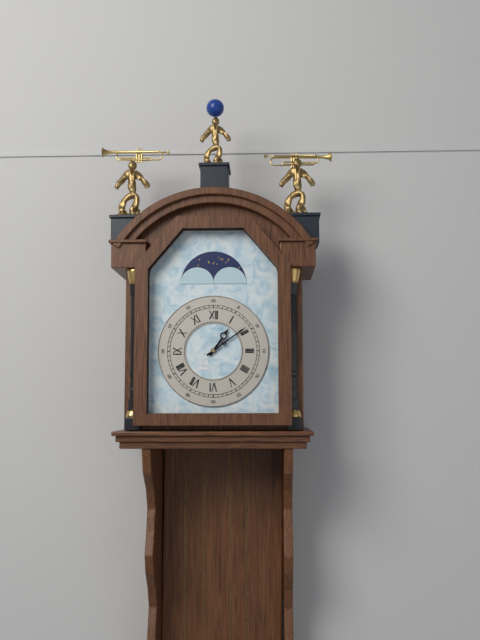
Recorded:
1 h 09 min
